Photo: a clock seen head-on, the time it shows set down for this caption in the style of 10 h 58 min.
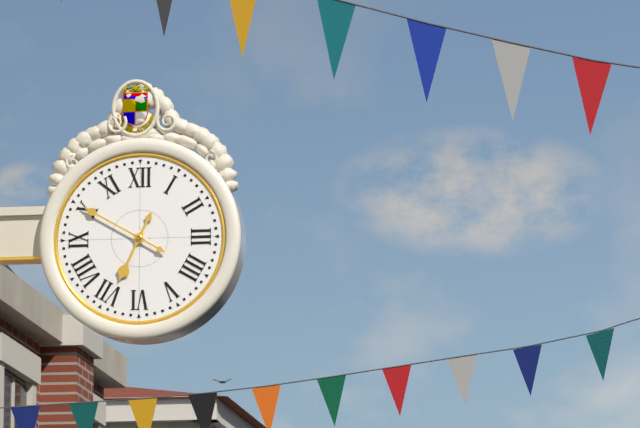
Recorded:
6 h 50 min
